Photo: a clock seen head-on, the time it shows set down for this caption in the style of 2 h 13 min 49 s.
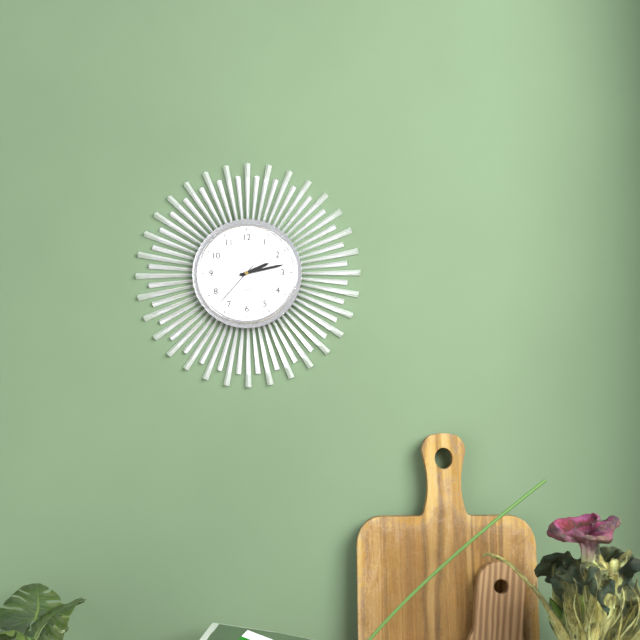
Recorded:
2 h 13 min 37 s
